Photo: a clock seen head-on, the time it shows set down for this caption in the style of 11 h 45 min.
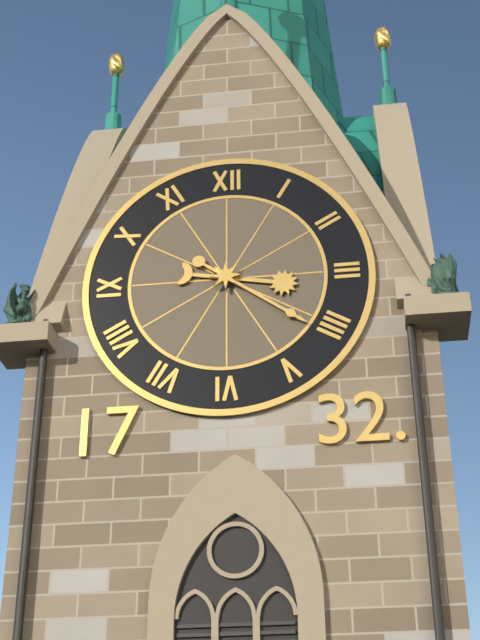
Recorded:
3 h 21 min
